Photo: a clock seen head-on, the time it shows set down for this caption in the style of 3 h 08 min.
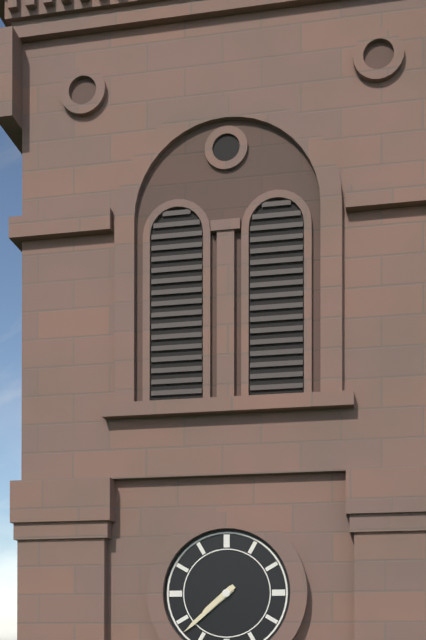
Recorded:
7 h 38 min
